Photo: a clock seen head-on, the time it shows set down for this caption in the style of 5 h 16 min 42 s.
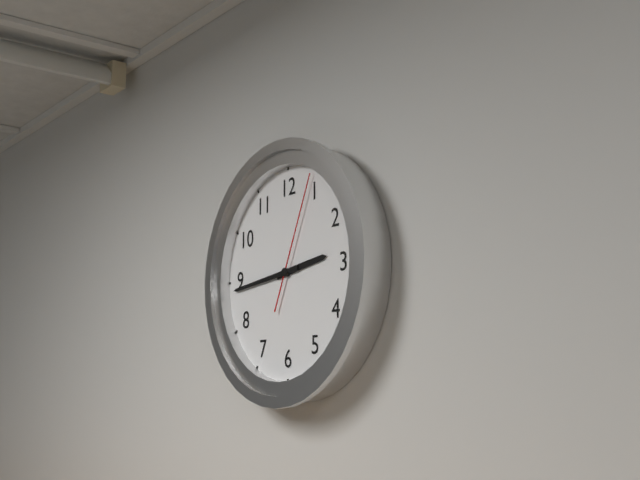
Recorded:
2 h 44 min 04 s
